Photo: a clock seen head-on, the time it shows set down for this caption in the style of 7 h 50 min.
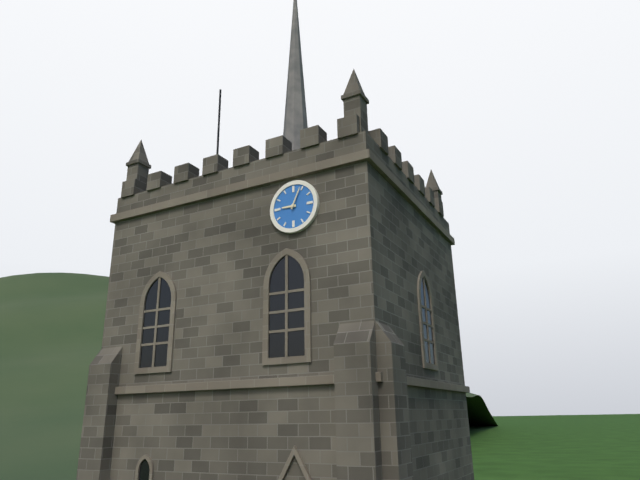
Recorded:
9 h 04 min
